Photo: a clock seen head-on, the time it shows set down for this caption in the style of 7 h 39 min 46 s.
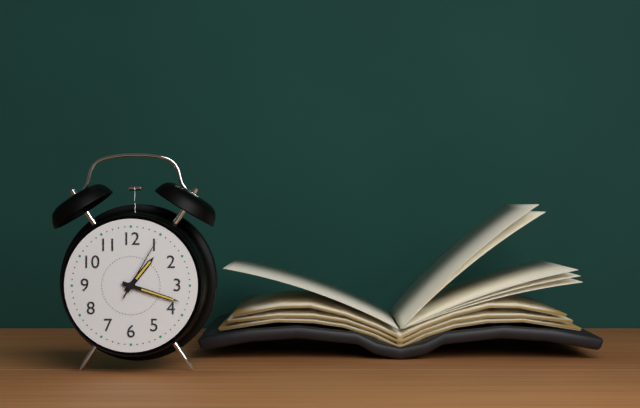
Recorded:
1 h 18 min 05 s
